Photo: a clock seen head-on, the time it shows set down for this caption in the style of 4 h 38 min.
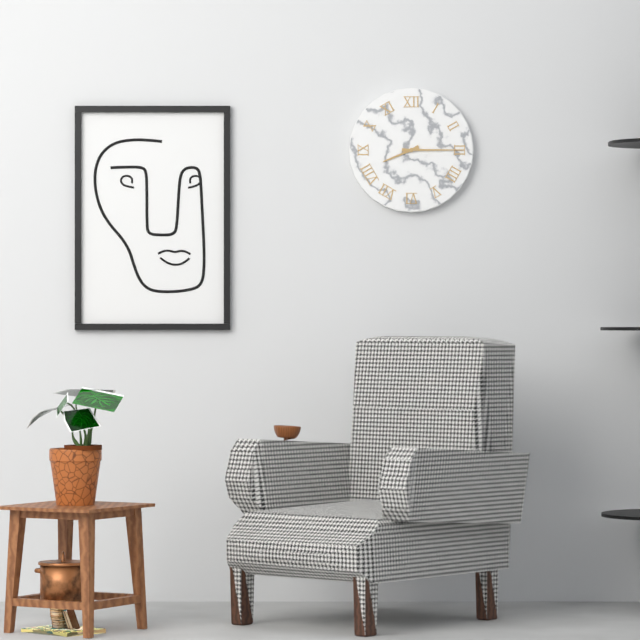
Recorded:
8 h 15 min
